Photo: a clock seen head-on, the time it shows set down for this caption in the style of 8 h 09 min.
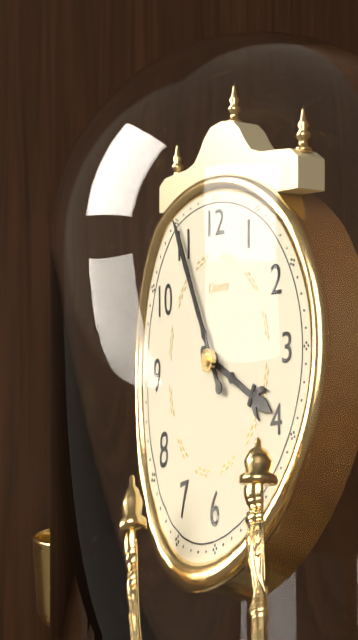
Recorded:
3 h 55 min
